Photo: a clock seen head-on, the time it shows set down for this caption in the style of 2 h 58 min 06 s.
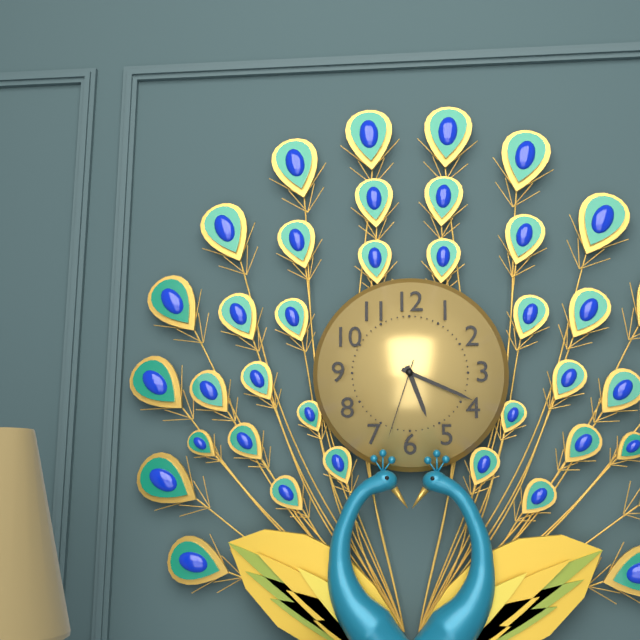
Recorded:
5 h 19 min 33 s
